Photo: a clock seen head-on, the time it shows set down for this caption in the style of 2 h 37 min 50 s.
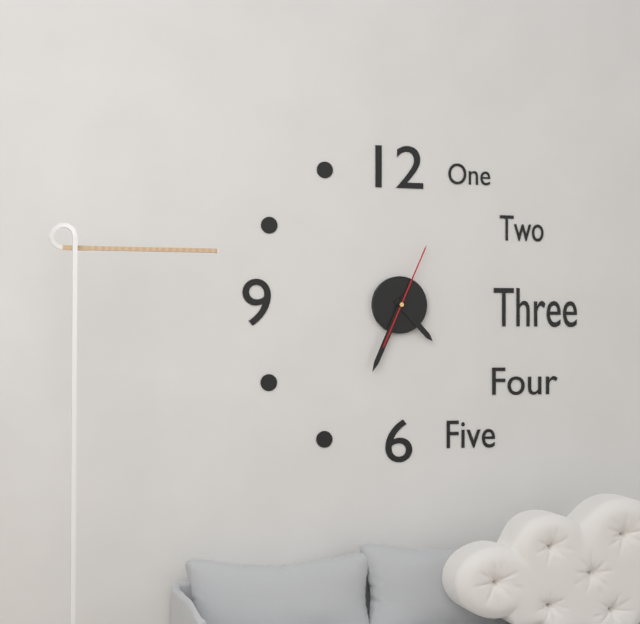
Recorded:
4 h 34 min 04 s
